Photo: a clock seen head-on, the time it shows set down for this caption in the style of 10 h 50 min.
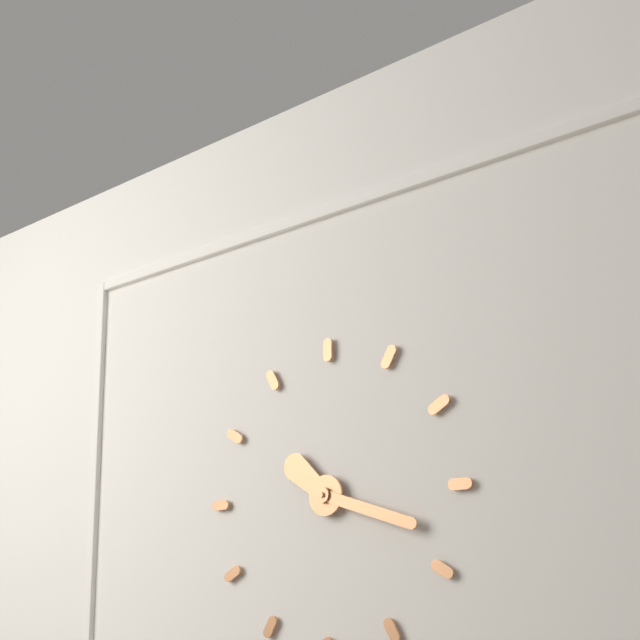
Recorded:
10 h 18 min
